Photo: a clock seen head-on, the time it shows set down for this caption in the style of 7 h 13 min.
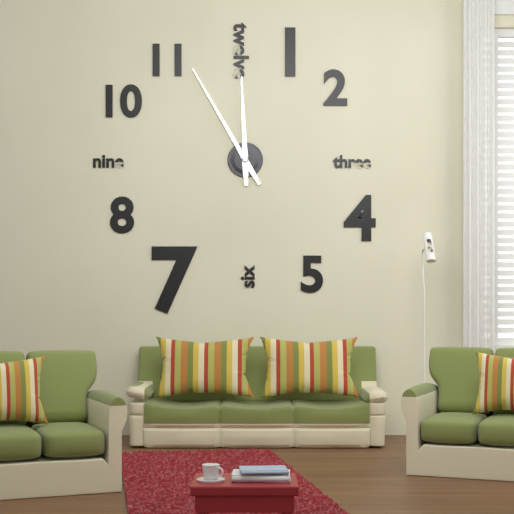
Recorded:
11 h 55 min
